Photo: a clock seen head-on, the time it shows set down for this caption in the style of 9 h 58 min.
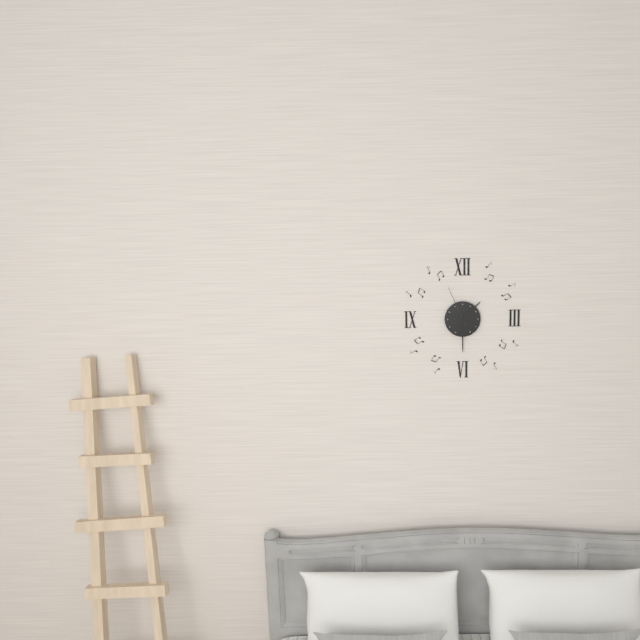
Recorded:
1 h 30 min
